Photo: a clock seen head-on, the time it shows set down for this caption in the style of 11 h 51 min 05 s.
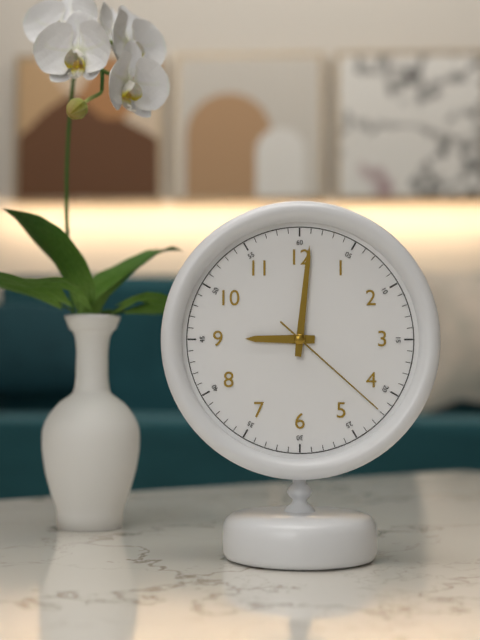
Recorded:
9 h 01 min 22 s
